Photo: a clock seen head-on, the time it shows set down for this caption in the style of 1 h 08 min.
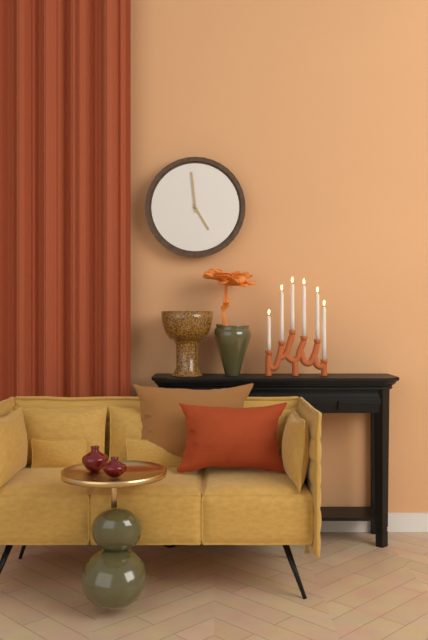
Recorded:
4 h 59 min
